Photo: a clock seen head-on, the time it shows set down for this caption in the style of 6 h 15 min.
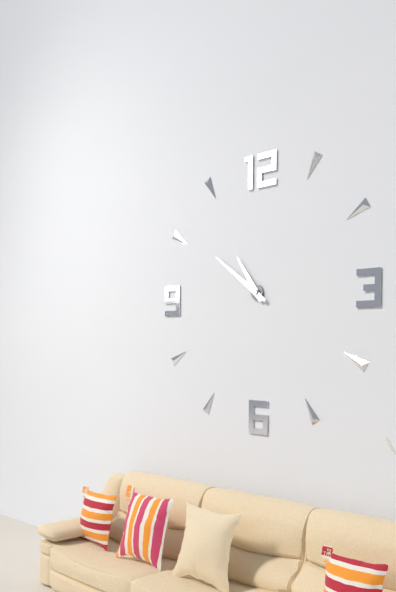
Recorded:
10 h 51 min
